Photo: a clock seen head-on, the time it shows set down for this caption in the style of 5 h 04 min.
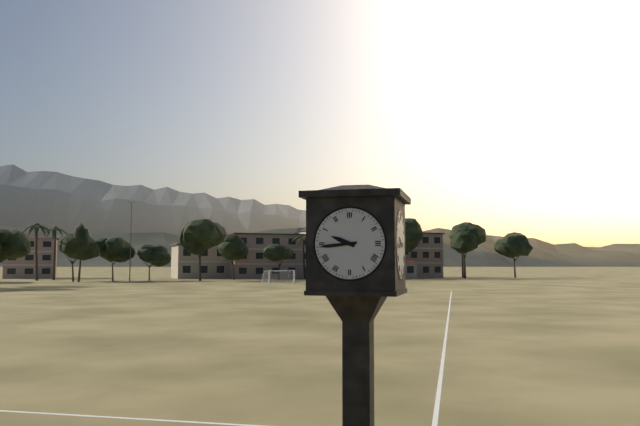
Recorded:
9 h 44 min
